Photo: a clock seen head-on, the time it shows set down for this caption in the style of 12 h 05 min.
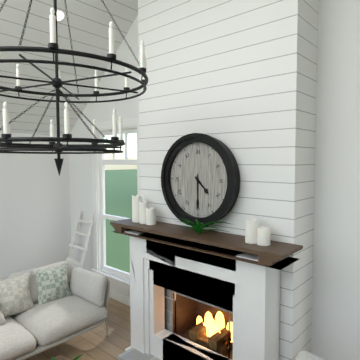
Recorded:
4 h 30 min
